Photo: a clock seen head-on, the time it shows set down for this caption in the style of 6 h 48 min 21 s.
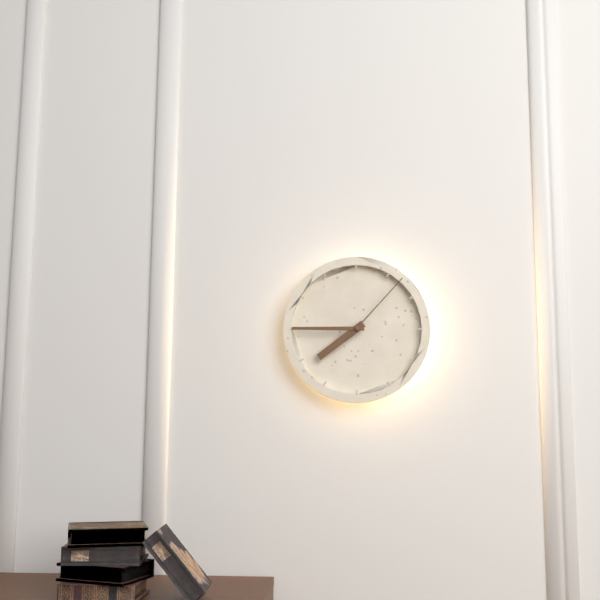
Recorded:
7 h 45 min 07 s
